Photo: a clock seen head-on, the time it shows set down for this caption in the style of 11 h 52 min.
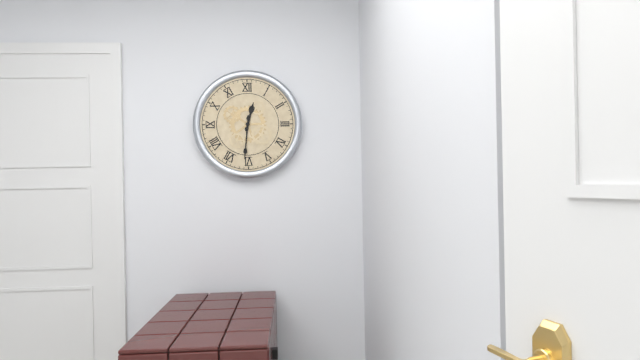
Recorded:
12 h 31 min
